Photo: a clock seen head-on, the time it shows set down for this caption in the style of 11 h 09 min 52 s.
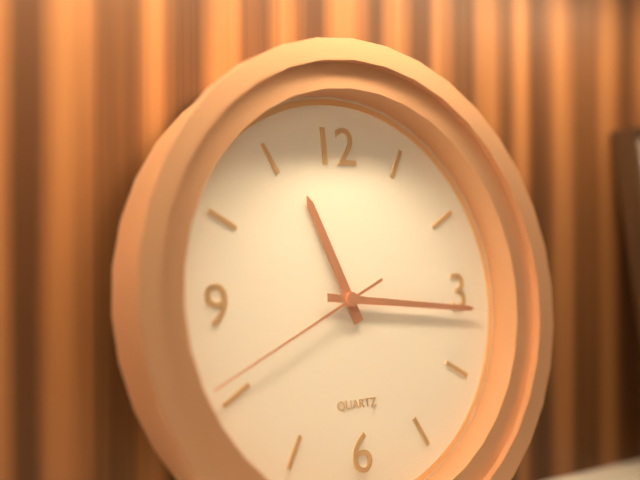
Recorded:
11 h 16 min 41 s
